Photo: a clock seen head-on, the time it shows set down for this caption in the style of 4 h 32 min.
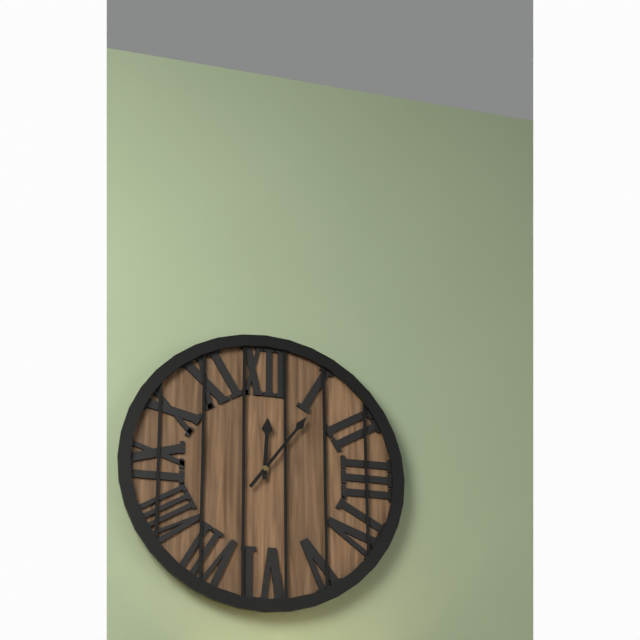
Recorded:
12 h 06 min
